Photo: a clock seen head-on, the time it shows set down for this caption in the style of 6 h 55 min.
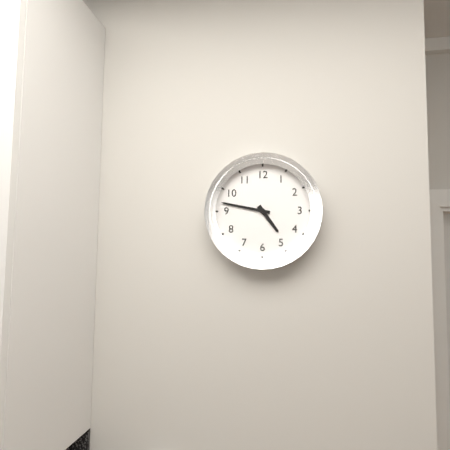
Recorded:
4 h 47 min
